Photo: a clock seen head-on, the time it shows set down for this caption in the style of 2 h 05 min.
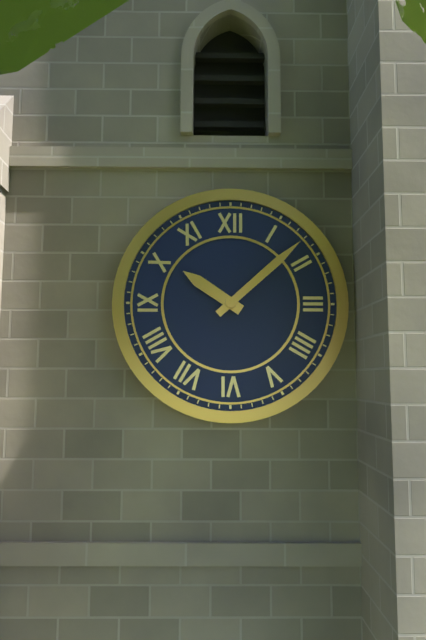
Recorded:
10 h 08 min
